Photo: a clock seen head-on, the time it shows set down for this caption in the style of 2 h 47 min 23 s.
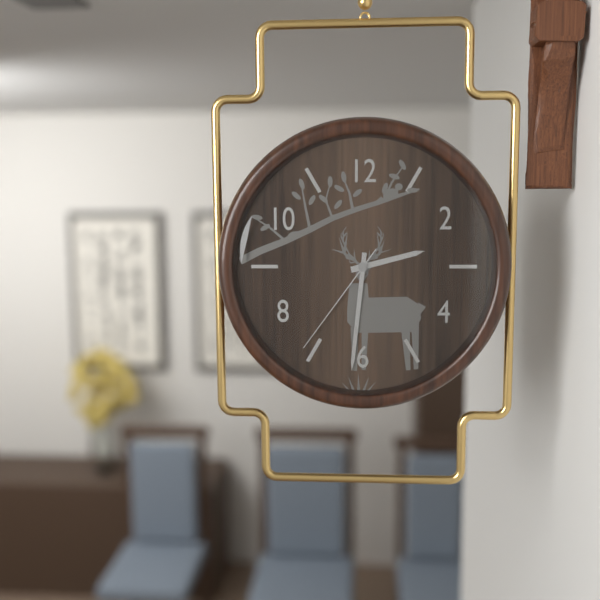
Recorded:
2 h 31 min 36 s
